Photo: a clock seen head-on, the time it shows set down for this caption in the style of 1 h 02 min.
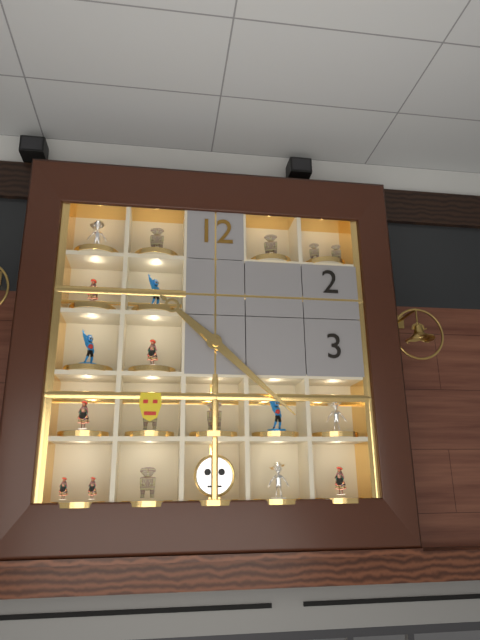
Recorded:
10 h 22 min
